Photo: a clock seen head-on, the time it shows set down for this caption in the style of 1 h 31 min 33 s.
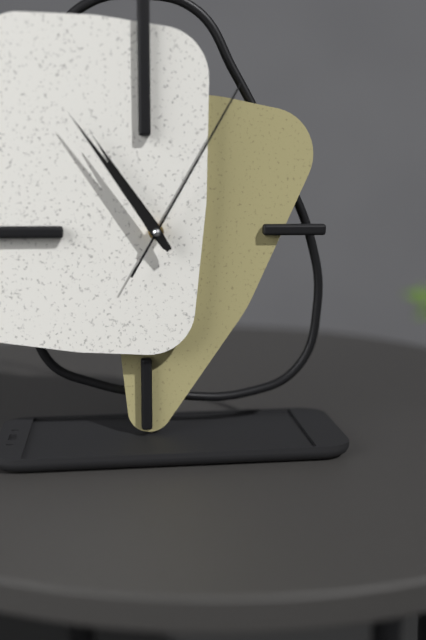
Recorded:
10 h 54 min 05 s
